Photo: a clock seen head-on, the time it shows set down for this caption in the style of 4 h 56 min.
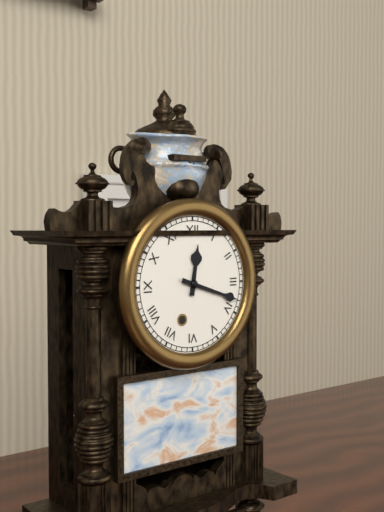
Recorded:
12 h 18 min
